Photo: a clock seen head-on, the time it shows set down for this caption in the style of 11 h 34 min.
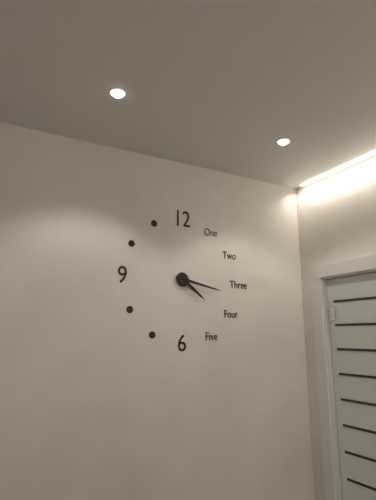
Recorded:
4 h 17 min
